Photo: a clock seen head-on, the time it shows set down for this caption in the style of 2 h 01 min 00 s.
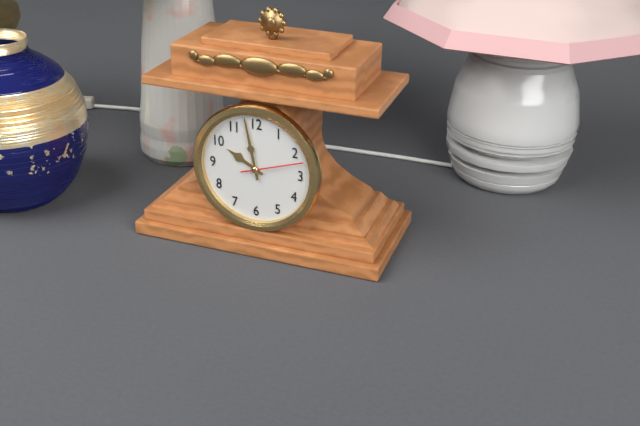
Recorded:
9 h 58 min 12 s
